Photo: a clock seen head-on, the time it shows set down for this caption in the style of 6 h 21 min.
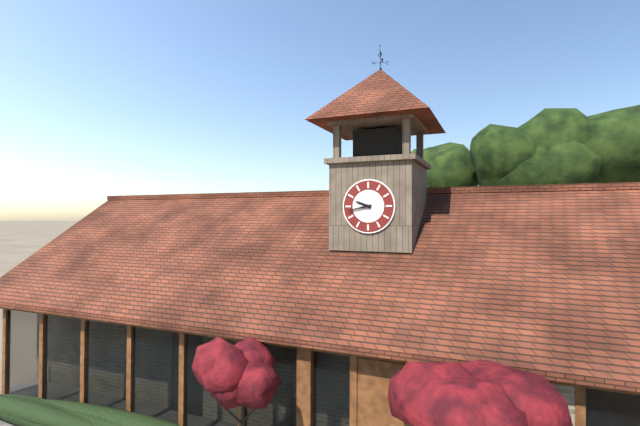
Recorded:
9 h 43 min
